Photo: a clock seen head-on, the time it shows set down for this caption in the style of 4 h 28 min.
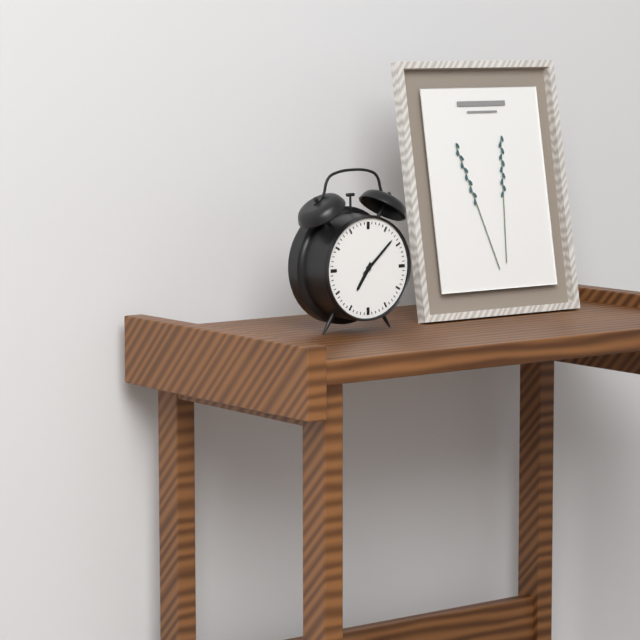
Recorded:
7 h 08 min
